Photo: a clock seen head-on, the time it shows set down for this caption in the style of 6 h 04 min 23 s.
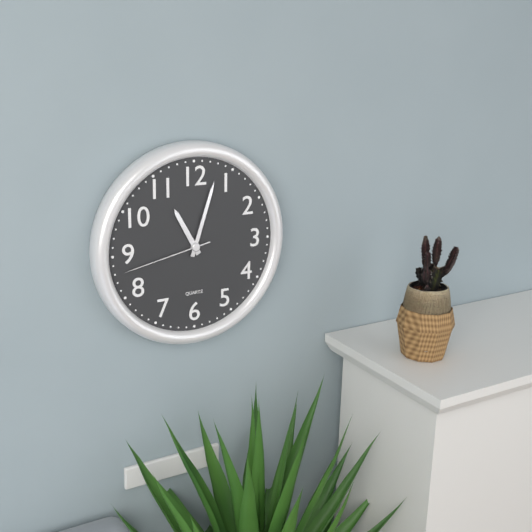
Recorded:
11 h 03 min 43 s
